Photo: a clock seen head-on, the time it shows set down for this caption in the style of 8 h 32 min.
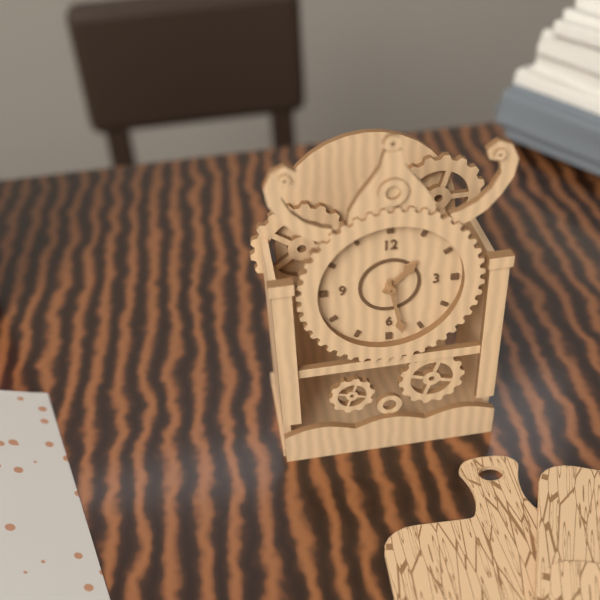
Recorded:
1 h 28 min
